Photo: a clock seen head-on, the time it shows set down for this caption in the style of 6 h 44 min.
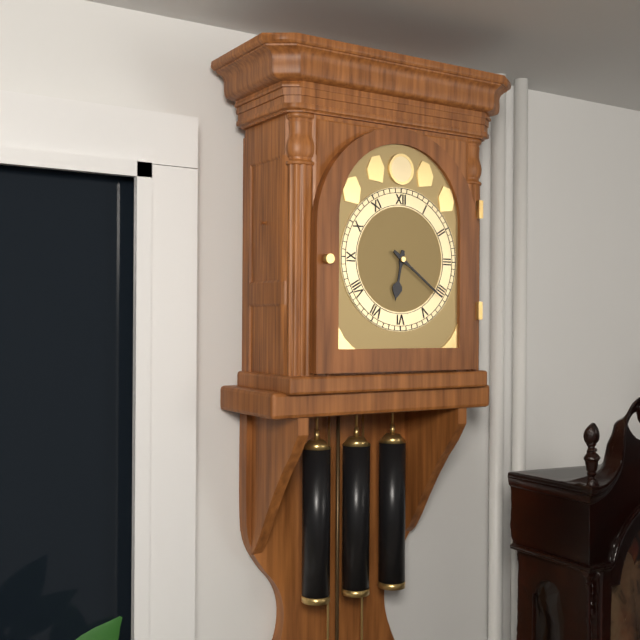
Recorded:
6 h 21 min
